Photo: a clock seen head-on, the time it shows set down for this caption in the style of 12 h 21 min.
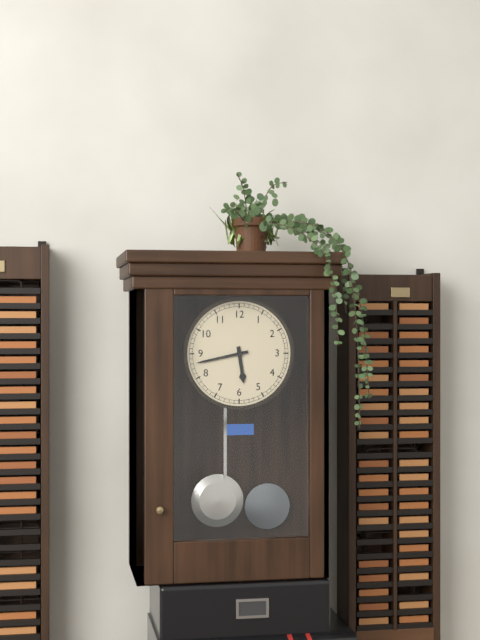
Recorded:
5 h 43 min
